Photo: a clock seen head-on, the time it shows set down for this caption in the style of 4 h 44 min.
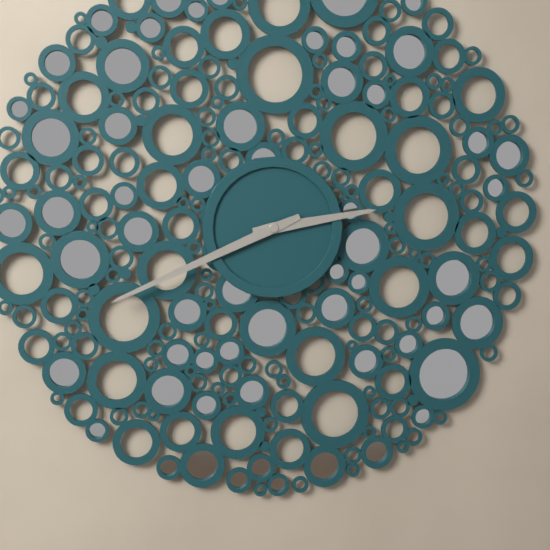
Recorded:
2 h 41 min
